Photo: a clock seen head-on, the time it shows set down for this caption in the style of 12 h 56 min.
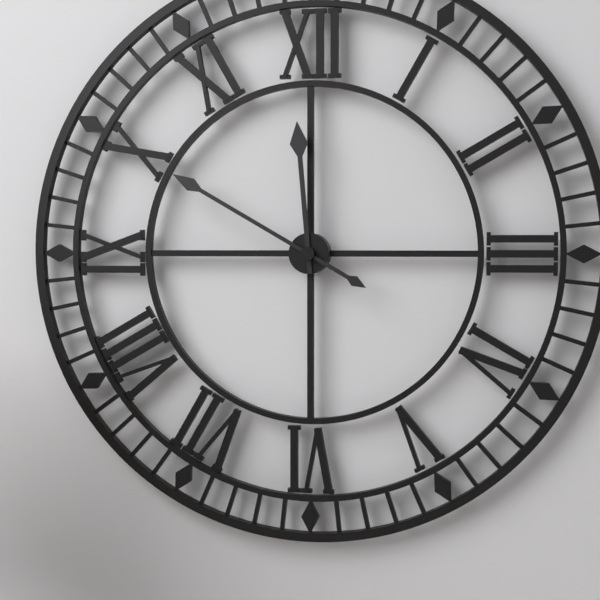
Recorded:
11 h 50 min
